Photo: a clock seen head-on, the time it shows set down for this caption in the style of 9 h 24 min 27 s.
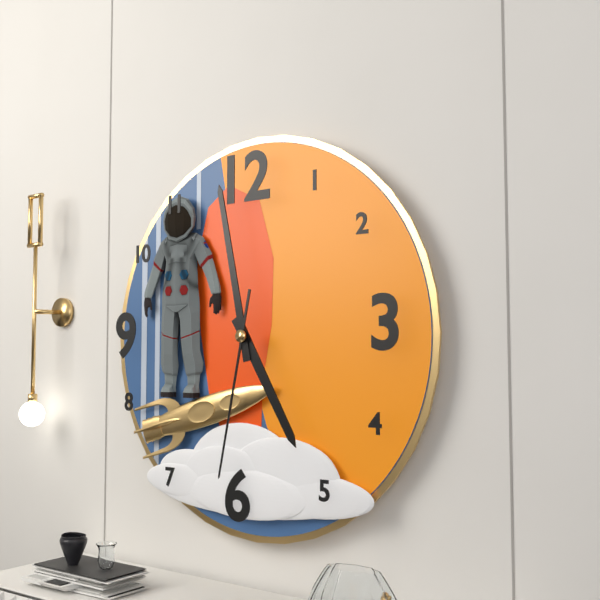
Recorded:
4 h 58 min 32 s
